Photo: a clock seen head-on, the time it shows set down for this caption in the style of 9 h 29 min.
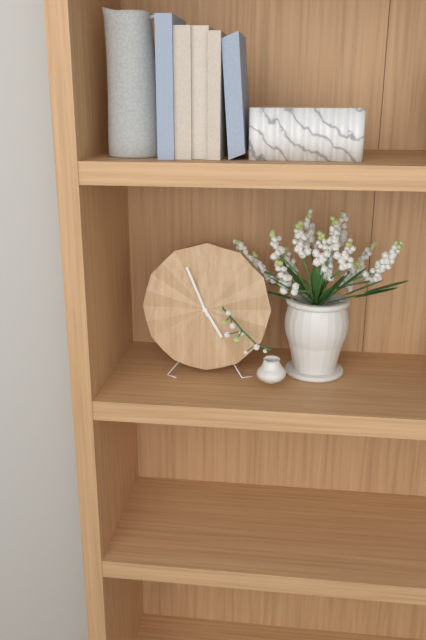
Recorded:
4 h 56 min
